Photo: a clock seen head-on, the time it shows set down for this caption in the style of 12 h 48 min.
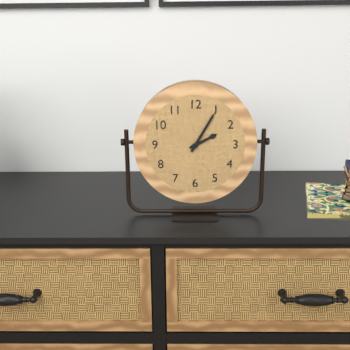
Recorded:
2 h 05 min
